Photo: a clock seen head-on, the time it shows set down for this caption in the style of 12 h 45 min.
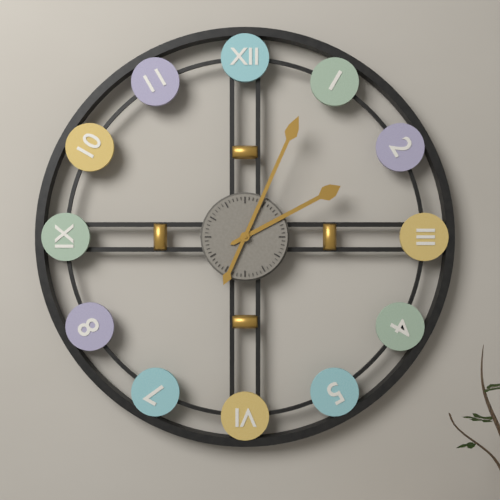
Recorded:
2 h 04 min
